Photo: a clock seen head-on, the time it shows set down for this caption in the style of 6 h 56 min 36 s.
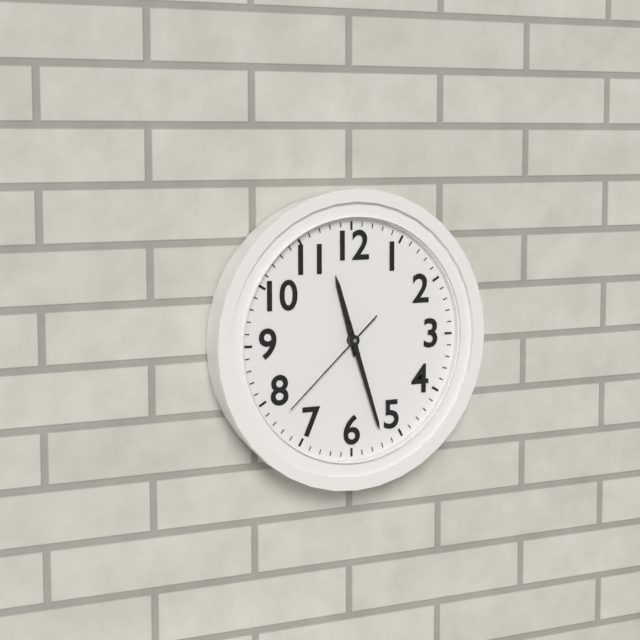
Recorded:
11 h 27 min 38 s
